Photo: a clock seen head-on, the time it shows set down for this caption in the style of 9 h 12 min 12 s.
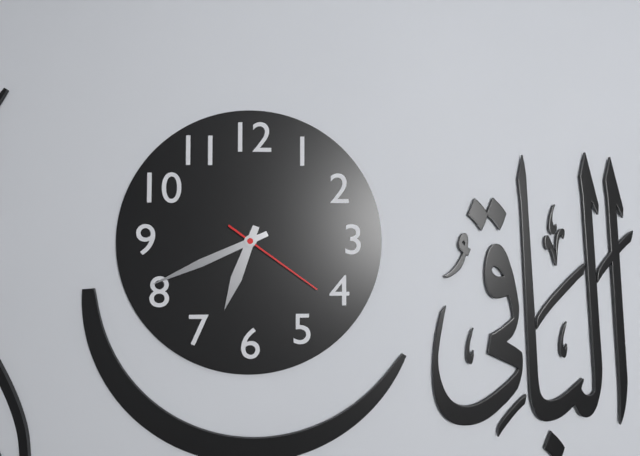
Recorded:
6 h 41 min 21 s
